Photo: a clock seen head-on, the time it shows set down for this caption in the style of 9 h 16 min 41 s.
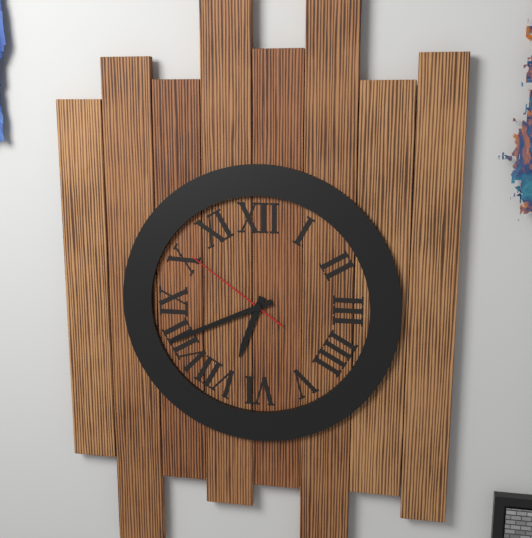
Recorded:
6 h 41 min 51 s
